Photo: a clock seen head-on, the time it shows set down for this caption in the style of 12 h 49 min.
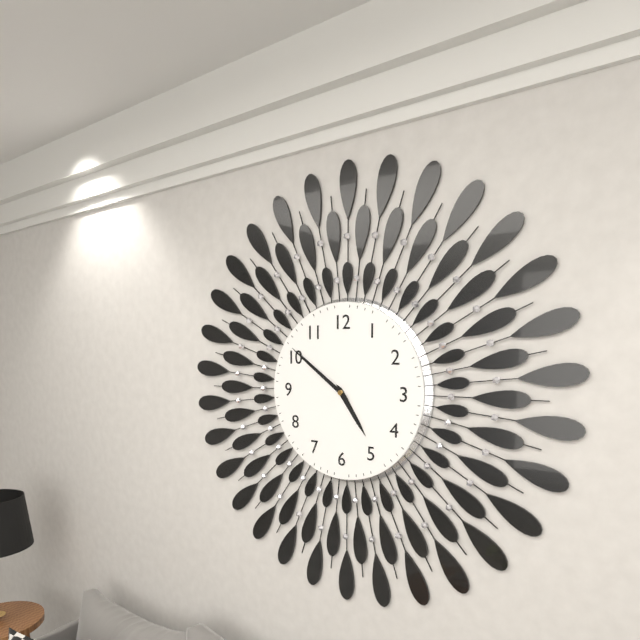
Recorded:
4 h 51 min
